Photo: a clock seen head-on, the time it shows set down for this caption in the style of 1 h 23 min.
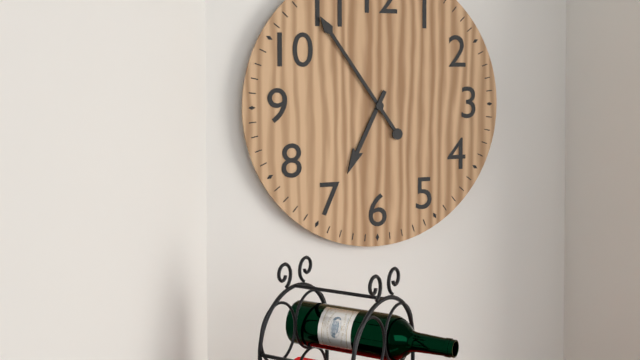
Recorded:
6 h 54 min
